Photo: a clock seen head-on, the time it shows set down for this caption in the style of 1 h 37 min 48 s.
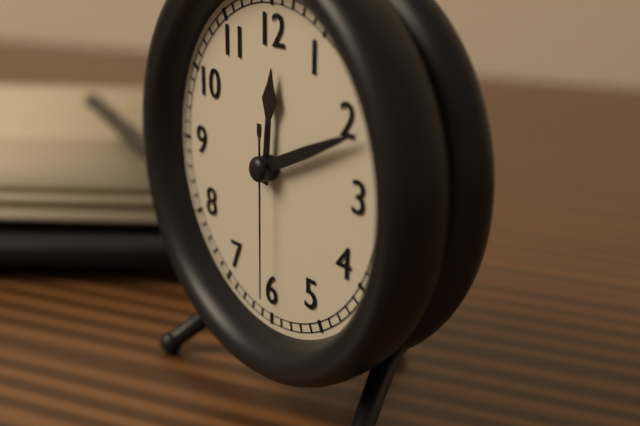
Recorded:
12 h 11 min 30 s
